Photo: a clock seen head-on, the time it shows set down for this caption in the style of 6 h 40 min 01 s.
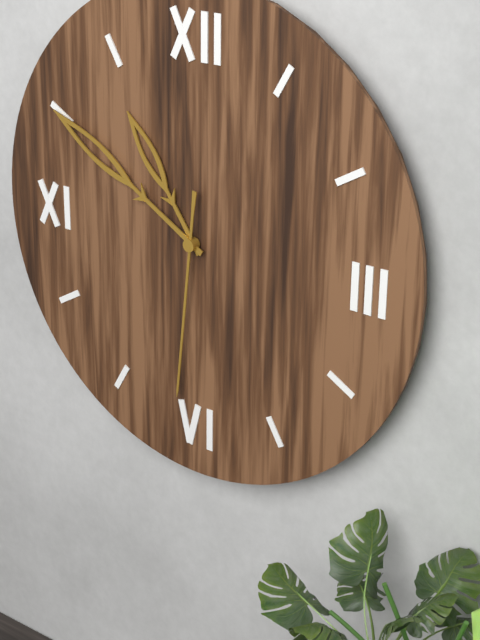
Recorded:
10 h 50 min 31 s
